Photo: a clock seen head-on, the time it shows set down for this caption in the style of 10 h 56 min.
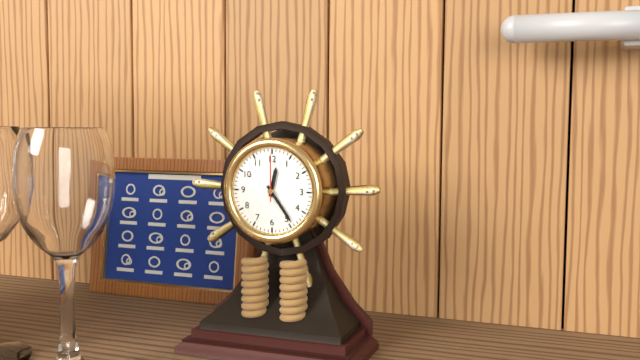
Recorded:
12 h 24 min
